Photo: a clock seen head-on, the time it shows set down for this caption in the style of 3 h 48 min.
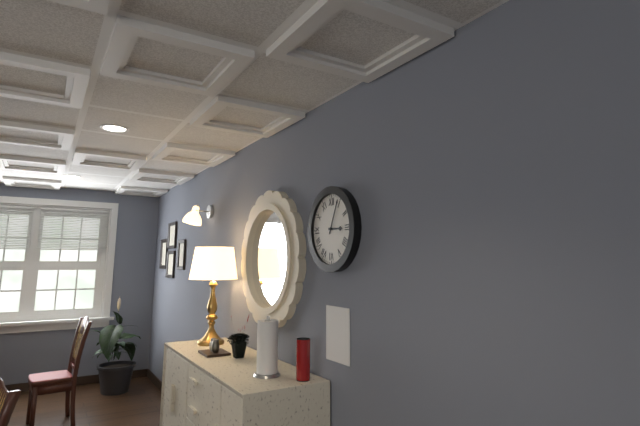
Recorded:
3 h 04 min
